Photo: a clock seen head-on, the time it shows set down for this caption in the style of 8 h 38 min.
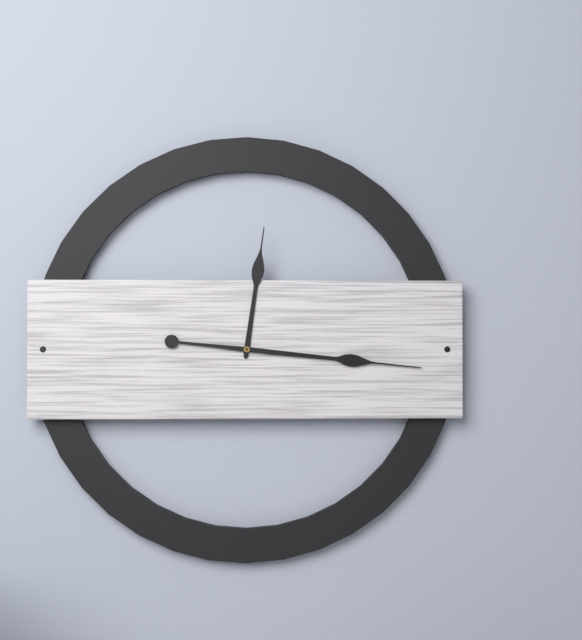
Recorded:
12 h 16 min
